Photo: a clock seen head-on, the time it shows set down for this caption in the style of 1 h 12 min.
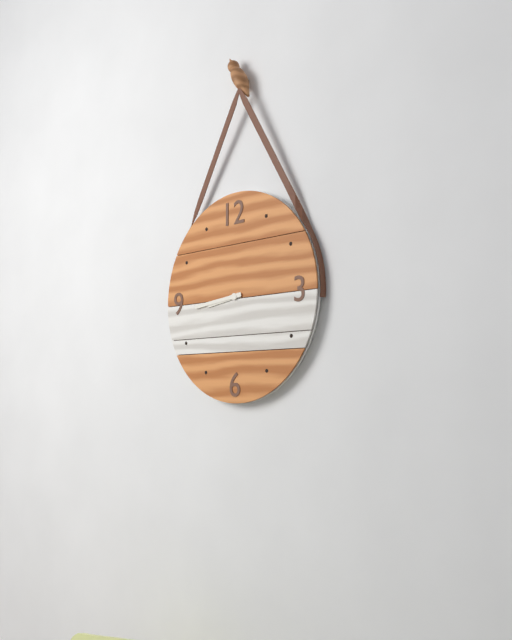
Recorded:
8 h 44 min
